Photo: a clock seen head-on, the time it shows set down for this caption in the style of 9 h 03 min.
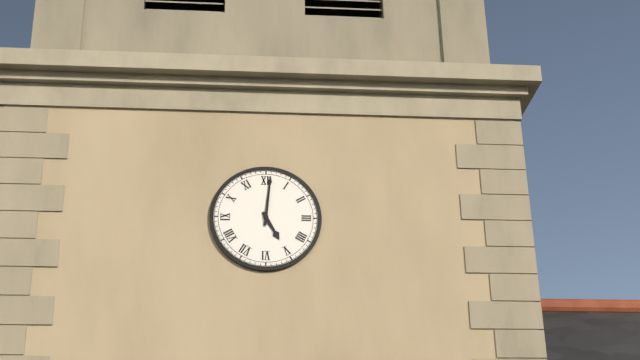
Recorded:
5 h 01 min
